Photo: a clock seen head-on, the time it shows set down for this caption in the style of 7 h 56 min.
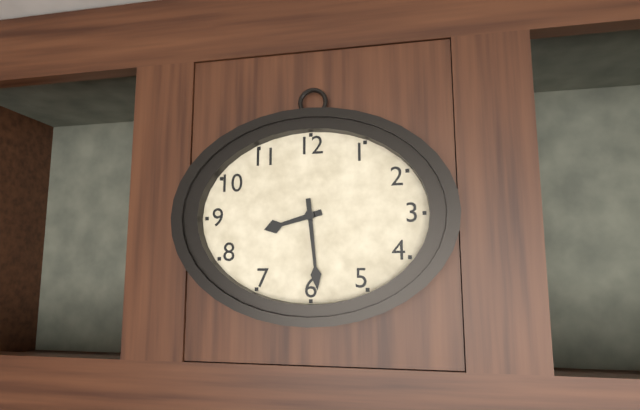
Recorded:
8 h 29 min
